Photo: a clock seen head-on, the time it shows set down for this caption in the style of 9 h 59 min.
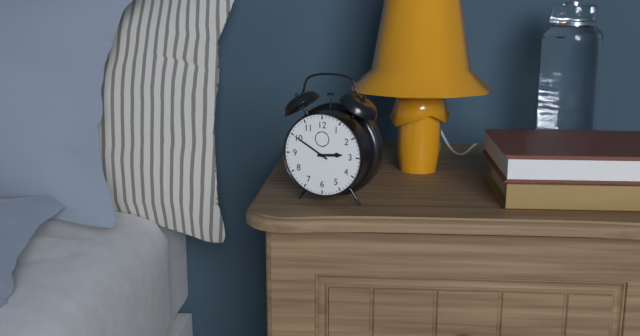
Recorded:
2 h 50 min
